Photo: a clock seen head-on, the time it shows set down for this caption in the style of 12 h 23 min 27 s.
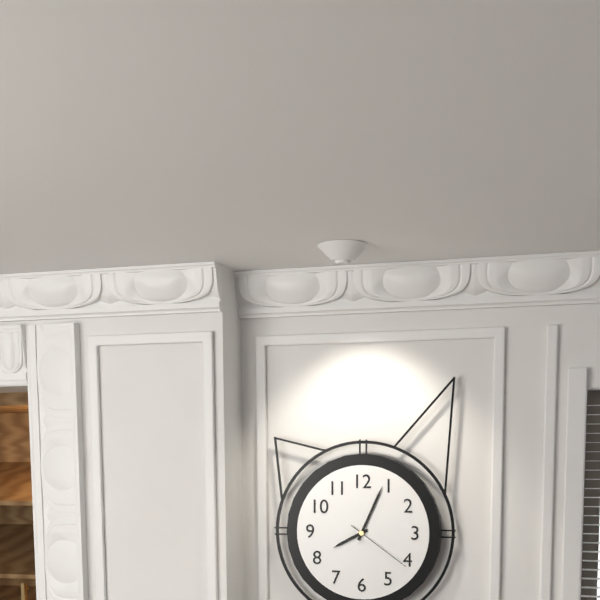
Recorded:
8 h 04 min 21 s
